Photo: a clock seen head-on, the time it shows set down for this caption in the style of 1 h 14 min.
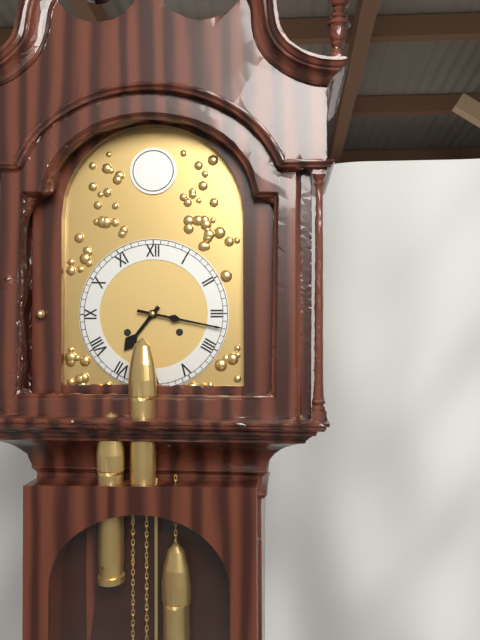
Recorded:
7 h 17 min
